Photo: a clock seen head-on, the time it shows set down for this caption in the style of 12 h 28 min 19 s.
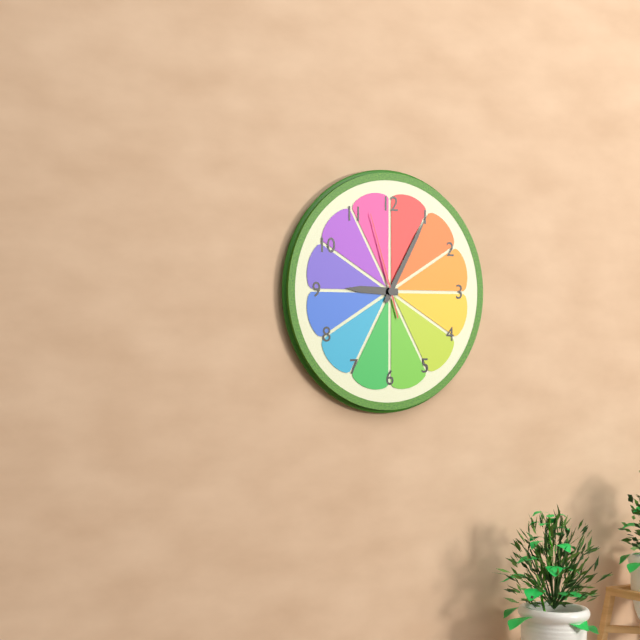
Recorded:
9 h 05 min 57 s
